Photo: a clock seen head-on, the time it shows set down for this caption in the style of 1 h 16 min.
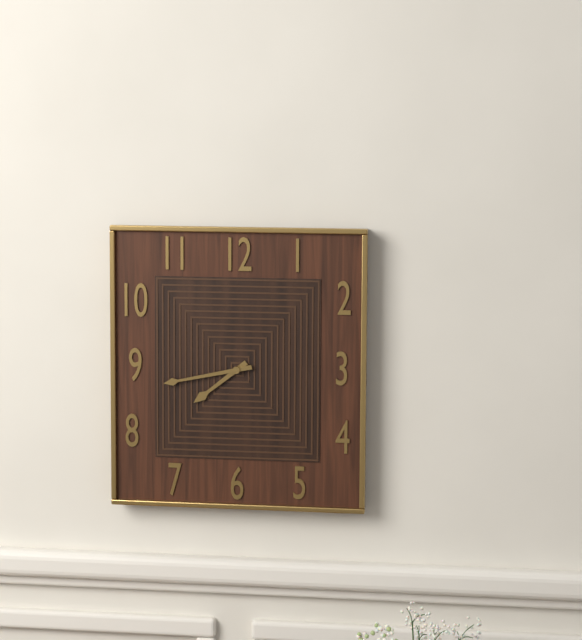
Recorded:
7 h 43 min
